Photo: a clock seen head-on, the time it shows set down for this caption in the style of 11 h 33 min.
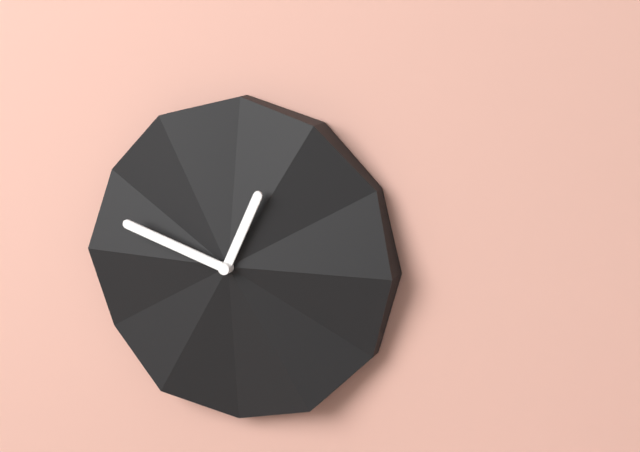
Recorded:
12 h 48 min
